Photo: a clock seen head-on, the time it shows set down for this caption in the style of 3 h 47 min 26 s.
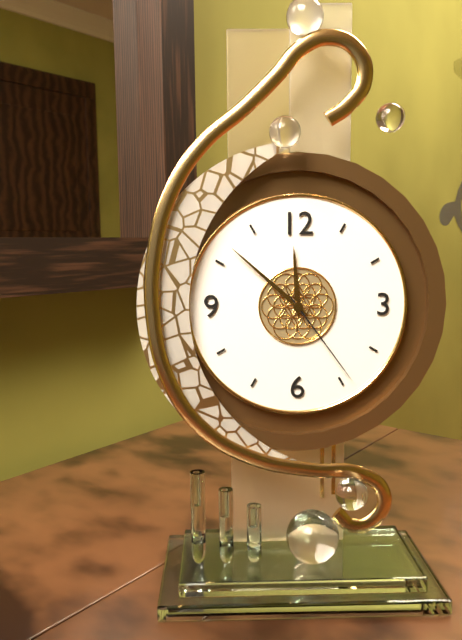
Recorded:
11 h 52 min 24 s
